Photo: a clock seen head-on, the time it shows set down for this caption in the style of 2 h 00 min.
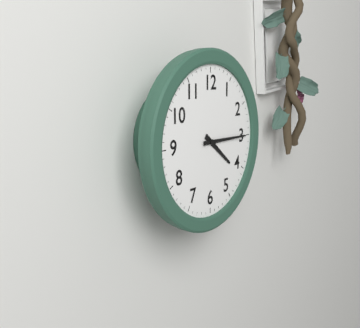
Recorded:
4 h 15 min
